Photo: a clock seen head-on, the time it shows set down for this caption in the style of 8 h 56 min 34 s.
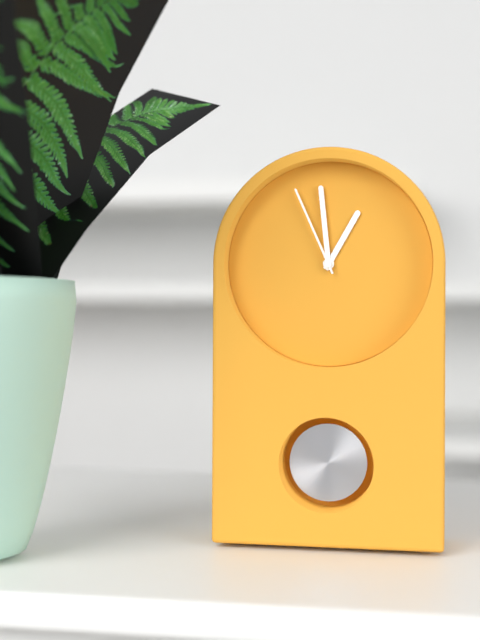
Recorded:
12 h 59 min 56 s
